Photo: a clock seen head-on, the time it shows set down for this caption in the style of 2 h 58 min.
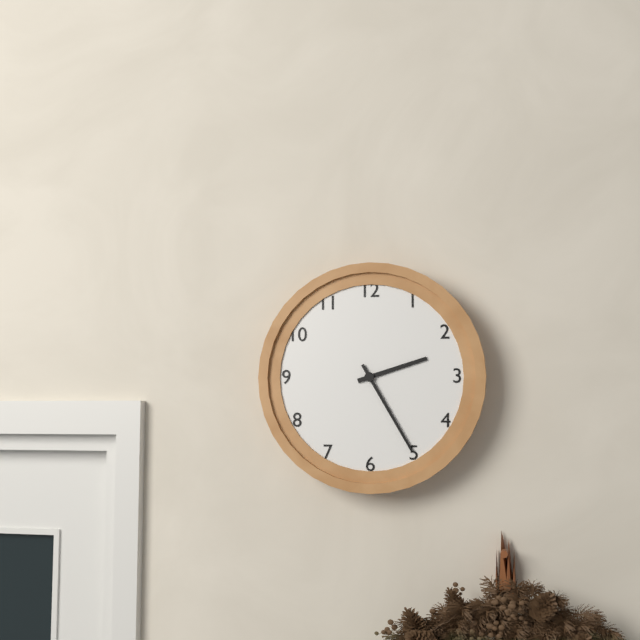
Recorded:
2 h 25 min
